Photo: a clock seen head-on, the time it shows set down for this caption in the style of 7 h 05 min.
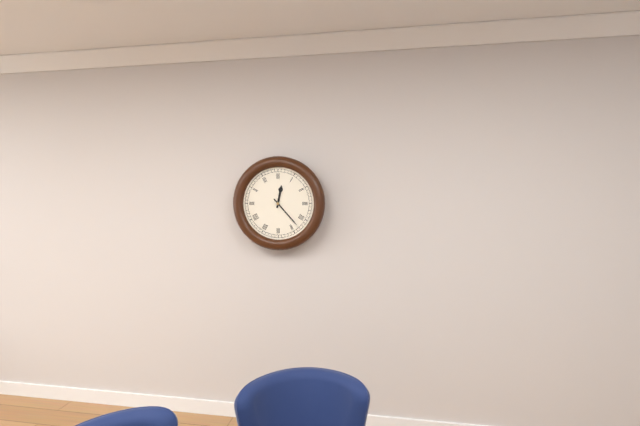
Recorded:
12 h 23 min
